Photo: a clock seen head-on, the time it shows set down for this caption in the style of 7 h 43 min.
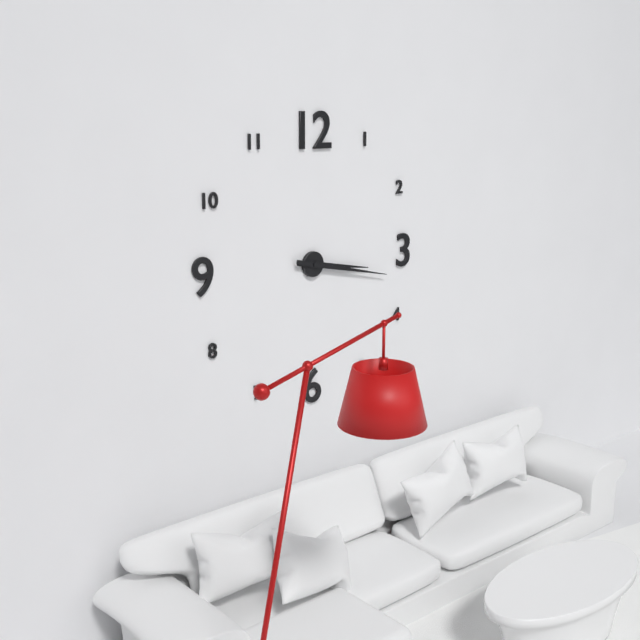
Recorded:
3 h 17 min
